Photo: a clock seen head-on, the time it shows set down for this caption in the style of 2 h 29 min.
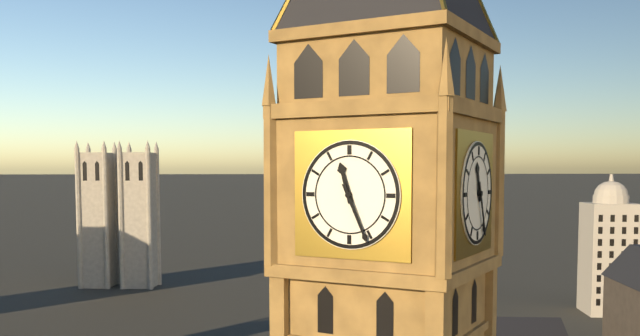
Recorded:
11 h 26 min
